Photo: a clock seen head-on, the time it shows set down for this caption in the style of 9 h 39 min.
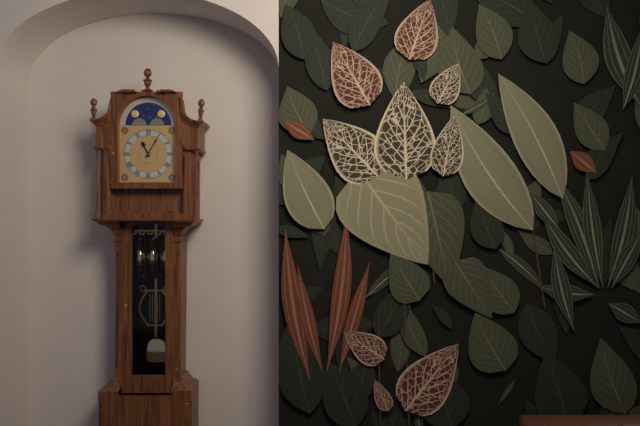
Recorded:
11 h 05 min
